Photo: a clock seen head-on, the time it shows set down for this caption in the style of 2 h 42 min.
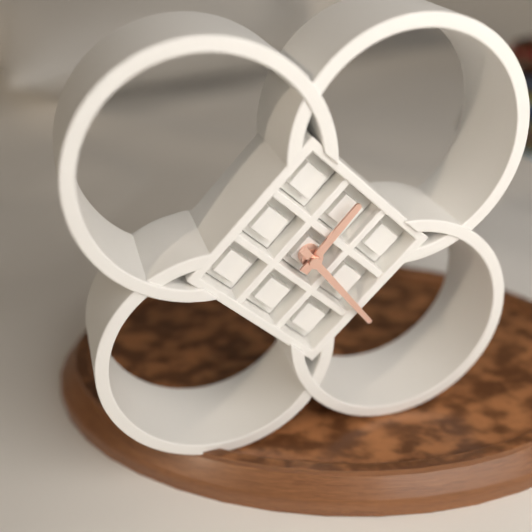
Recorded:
1 h 24 min
